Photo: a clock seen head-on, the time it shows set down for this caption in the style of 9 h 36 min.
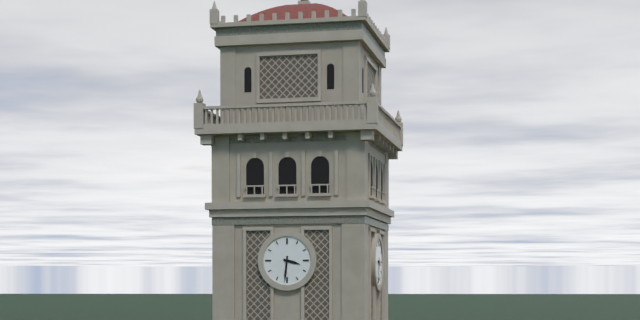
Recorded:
3 h 31 min
